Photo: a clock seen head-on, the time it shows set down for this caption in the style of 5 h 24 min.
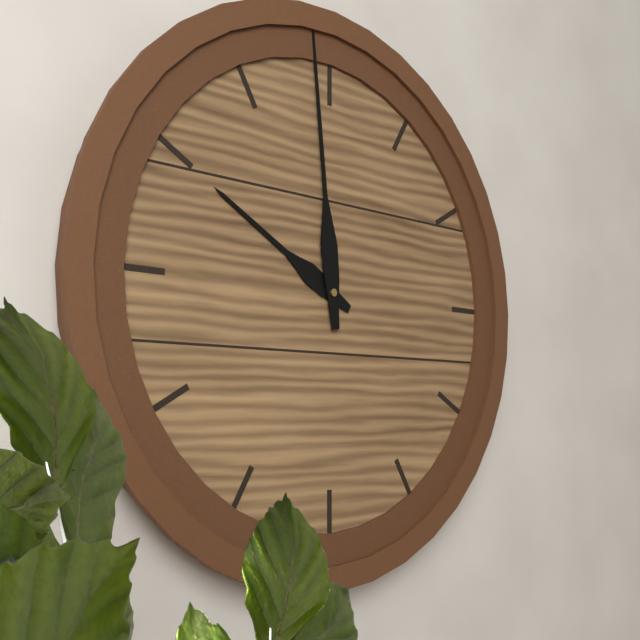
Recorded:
9 h 59 min
